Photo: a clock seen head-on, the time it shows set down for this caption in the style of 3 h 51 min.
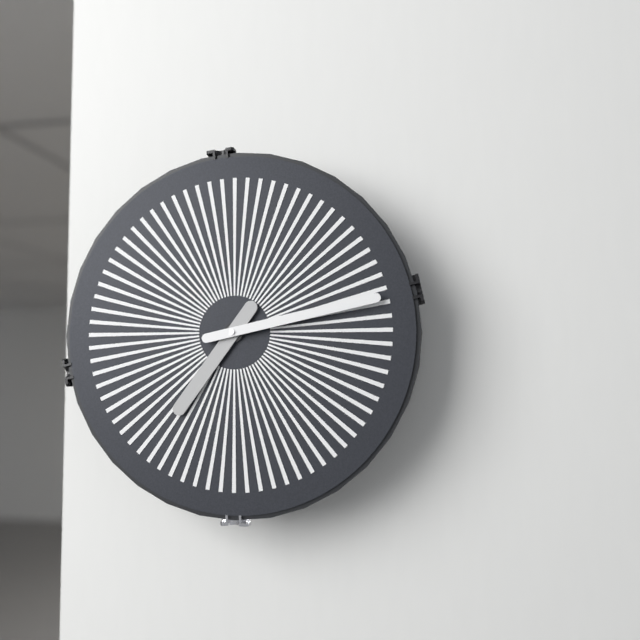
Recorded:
7 h 13 min
